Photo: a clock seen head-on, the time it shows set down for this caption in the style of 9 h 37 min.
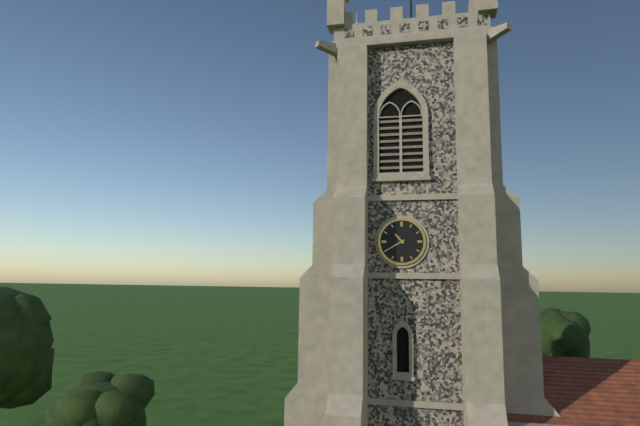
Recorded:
10 h 40 min
